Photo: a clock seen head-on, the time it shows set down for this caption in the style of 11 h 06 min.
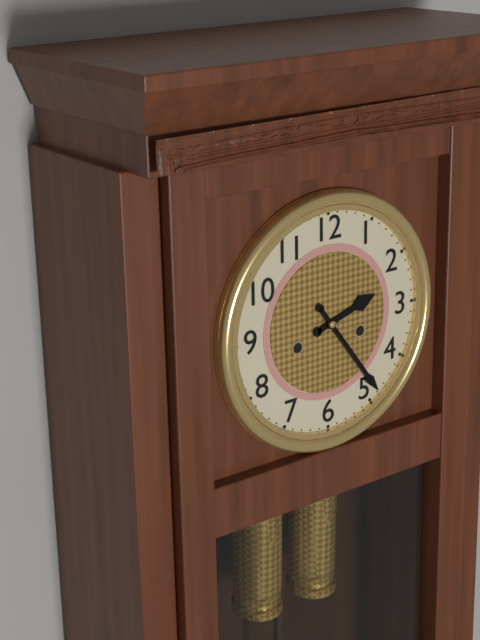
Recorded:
2 h 24 min
